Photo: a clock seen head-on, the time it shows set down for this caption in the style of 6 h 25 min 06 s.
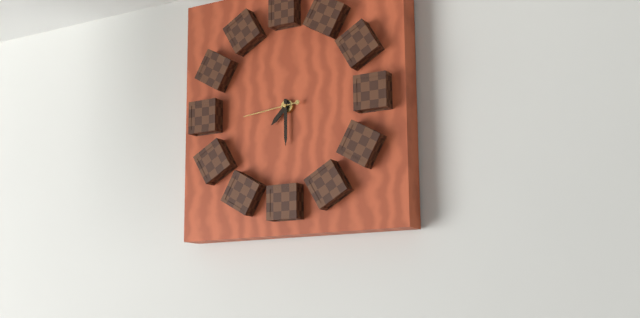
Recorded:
7 h 30 min 44 s
